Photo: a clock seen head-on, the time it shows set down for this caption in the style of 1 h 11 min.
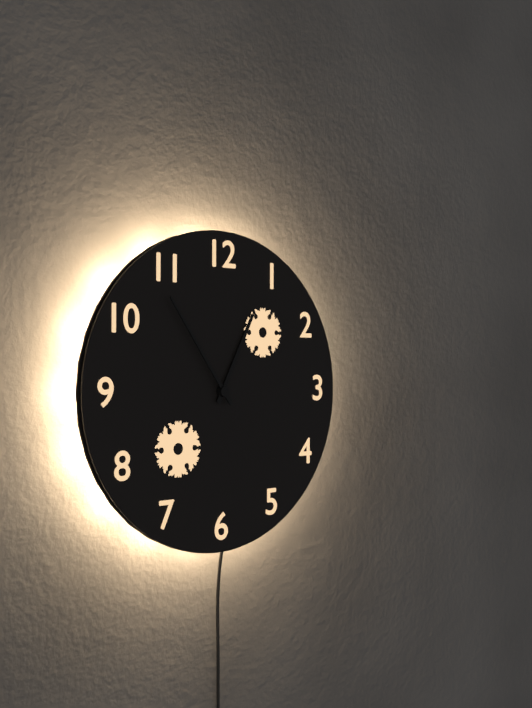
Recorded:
12 h 54 min
